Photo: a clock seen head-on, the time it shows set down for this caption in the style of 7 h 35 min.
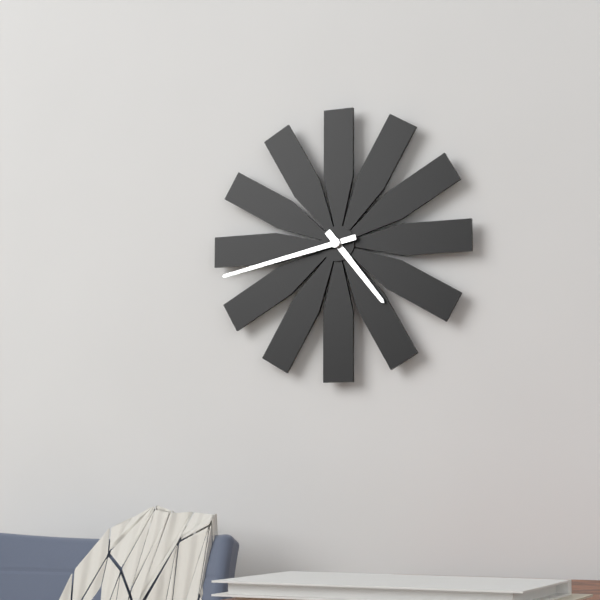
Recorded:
4 h 43 min
